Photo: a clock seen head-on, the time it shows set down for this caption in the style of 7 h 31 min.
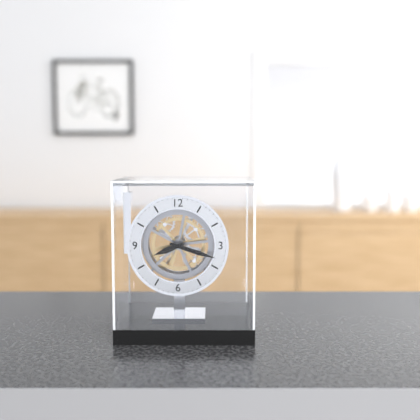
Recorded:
8 h 18 min
